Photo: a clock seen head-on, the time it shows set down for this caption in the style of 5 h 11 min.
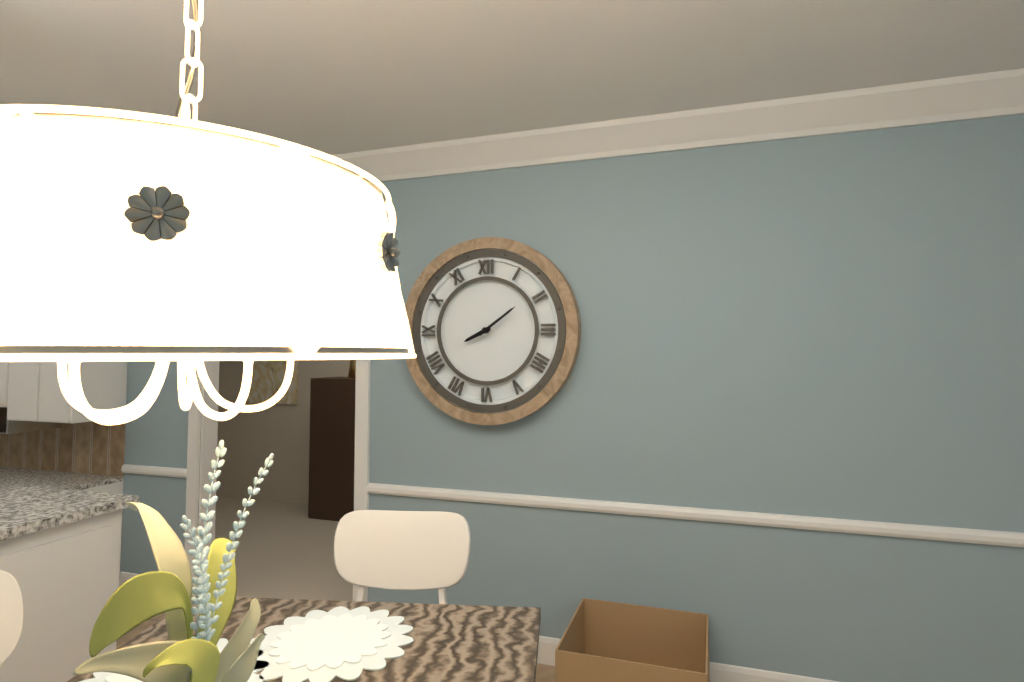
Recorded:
8 h 09 min
